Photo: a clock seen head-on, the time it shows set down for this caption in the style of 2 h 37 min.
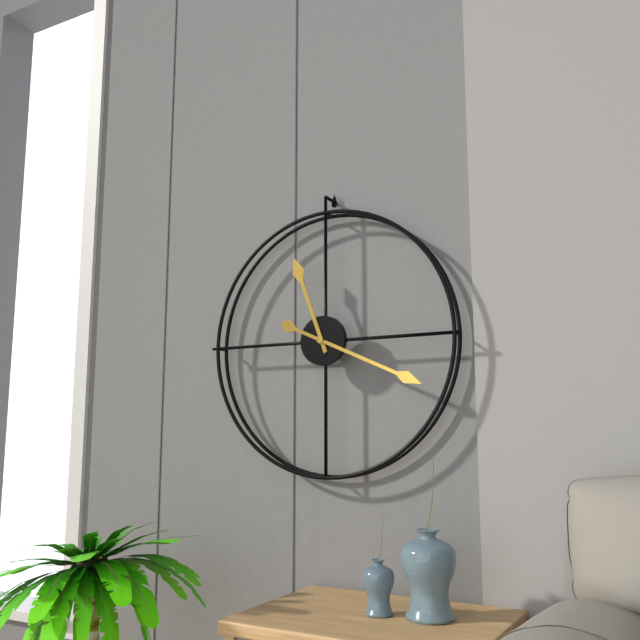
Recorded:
11 h 19 min
